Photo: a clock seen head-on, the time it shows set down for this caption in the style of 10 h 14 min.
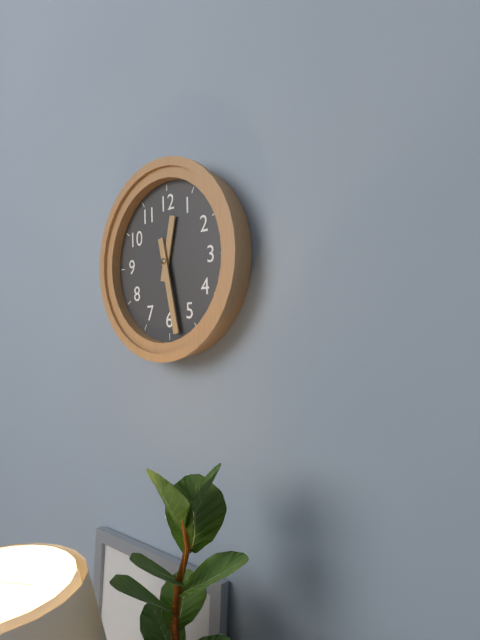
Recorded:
12 h 28 min
